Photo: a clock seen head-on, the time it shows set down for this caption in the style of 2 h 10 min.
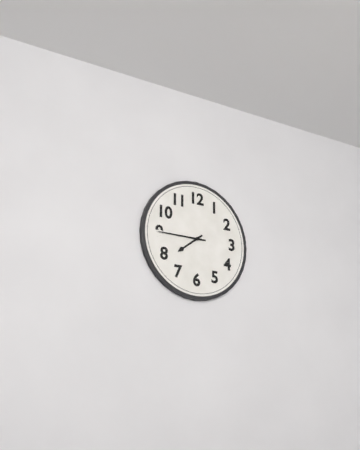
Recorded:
7 h 45 min
